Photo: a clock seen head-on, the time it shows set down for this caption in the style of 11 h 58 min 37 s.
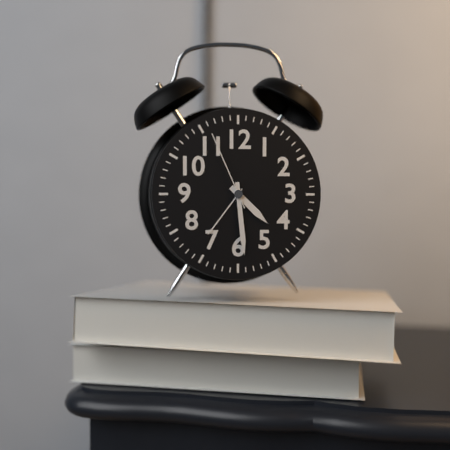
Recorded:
4 h 29 min 56 s
